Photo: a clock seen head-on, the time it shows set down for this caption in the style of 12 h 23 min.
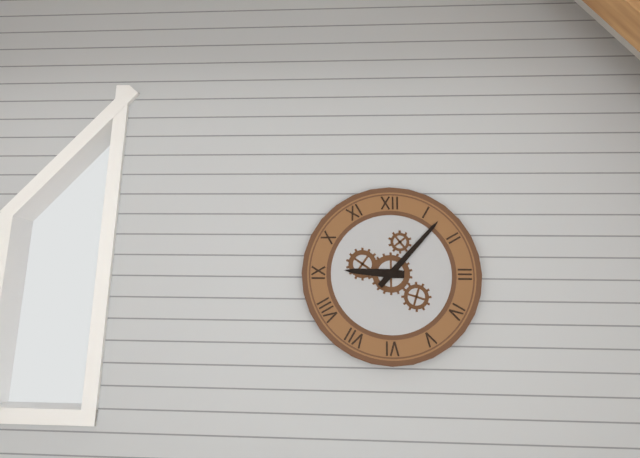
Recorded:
9 h 07 min
